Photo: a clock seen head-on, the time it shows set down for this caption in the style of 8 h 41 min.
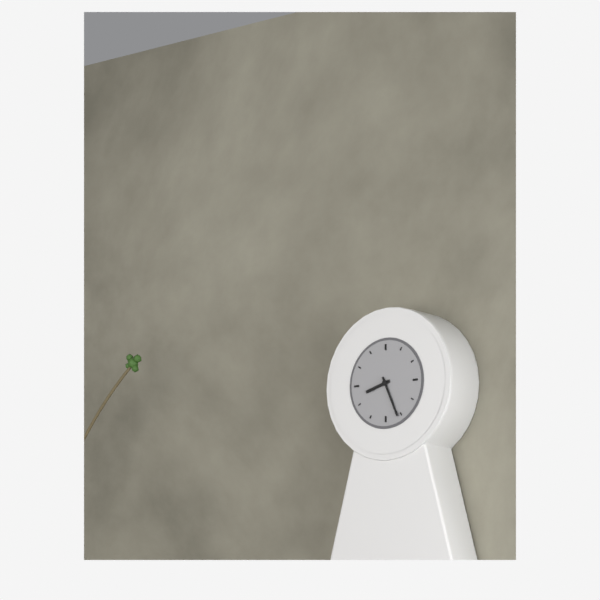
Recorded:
8 h 26 min
